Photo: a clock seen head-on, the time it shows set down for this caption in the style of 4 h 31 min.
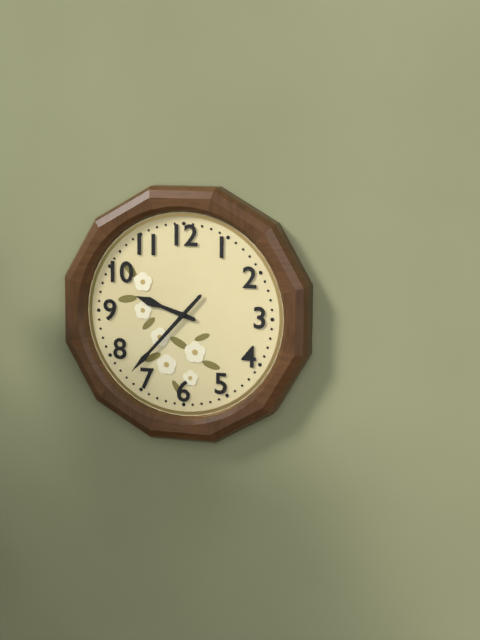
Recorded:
9 h 37 min
